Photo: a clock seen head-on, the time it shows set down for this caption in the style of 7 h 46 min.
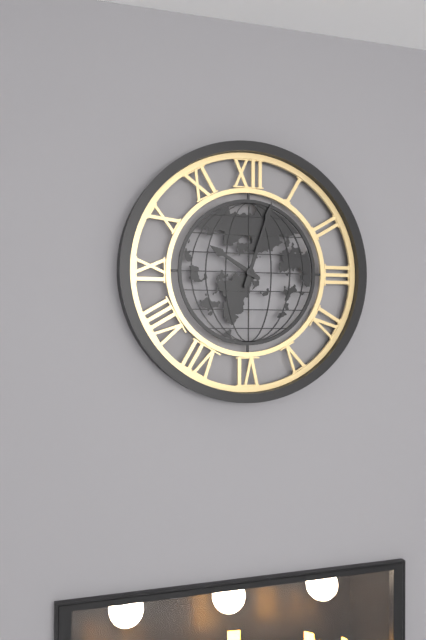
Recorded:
10 h 03 min
